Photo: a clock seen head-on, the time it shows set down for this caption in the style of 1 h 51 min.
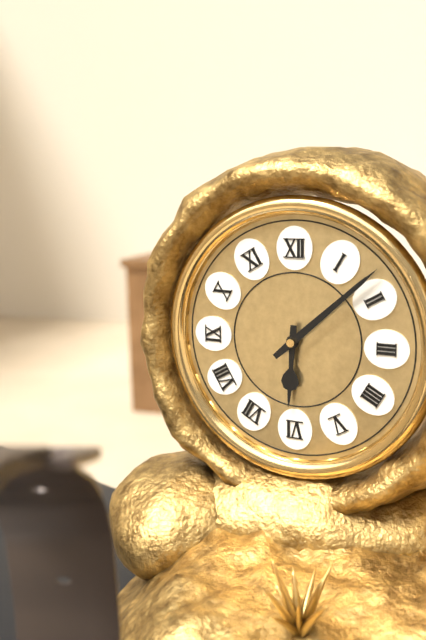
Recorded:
6 h 08 min
